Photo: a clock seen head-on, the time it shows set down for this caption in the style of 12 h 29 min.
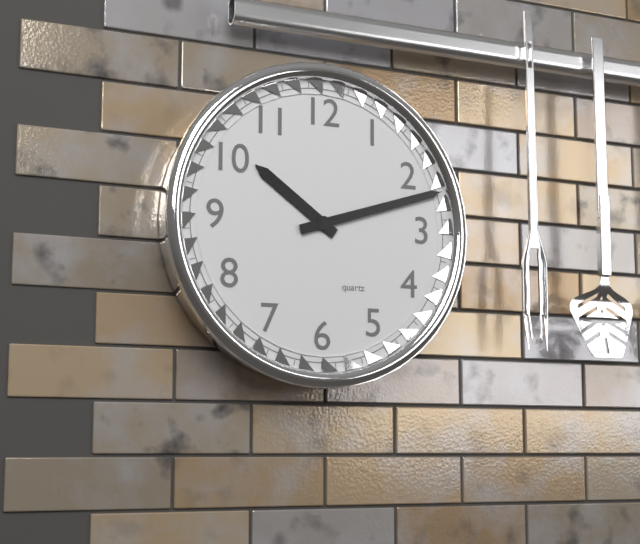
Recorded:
10 h 12 min
